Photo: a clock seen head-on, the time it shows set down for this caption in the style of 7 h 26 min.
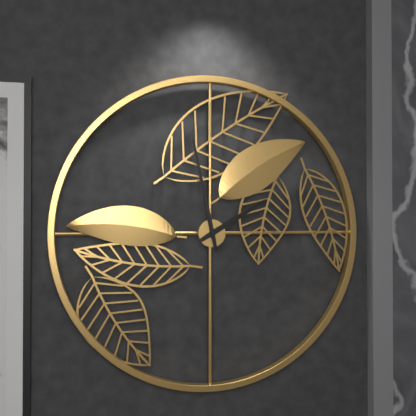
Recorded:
1 h 58 min
